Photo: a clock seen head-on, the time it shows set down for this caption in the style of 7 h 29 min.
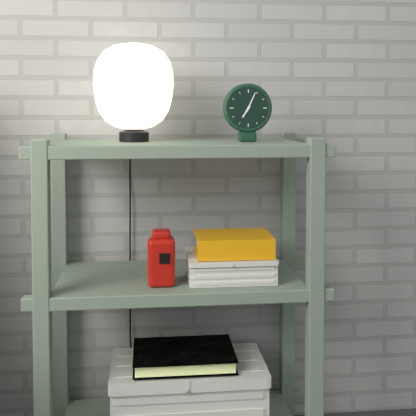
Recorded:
7 h 04 min
